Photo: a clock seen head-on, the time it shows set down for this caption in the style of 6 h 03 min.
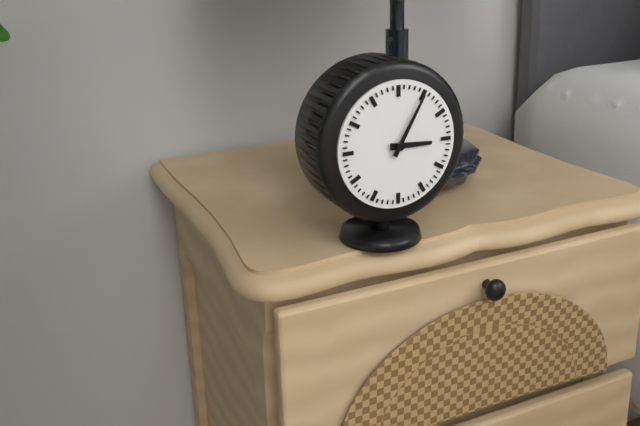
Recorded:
3 h 05 min
